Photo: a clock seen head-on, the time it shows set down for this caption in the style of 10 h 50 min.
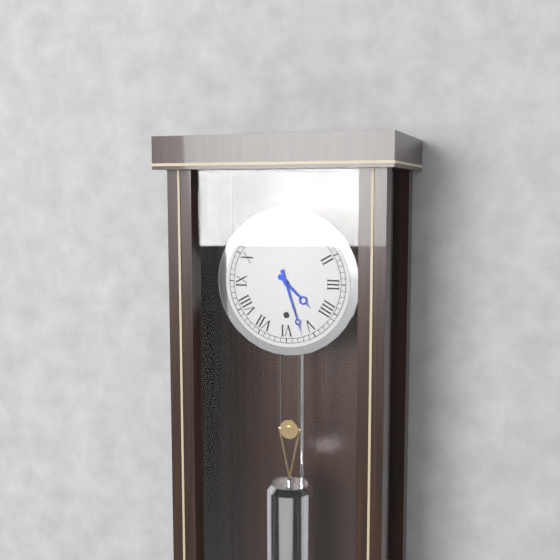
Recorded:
4 h 27 min
